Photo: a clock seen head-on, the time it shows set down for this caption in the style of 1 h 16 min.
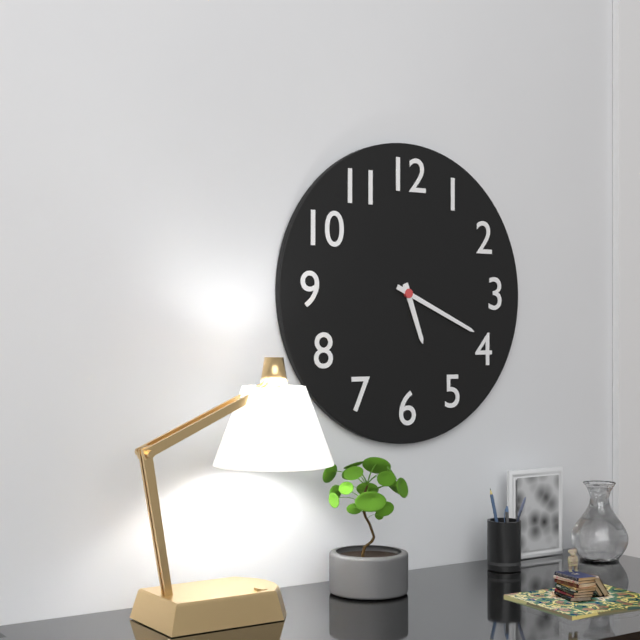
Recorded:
5 h 19 min
